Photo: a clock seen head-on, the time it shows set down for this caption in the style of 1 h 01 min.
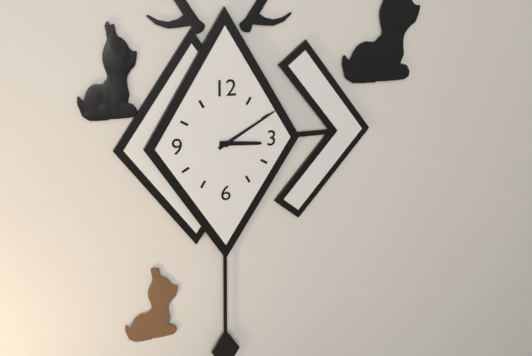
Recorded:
3 h 10 min
